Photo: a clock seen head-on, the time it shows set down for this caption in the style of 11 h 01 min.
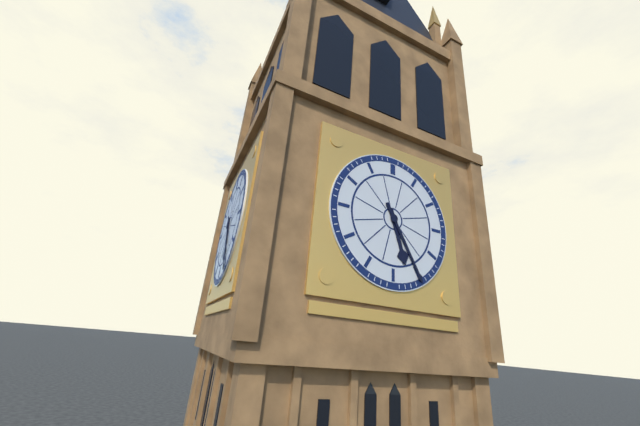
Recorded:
5 h 25 min
